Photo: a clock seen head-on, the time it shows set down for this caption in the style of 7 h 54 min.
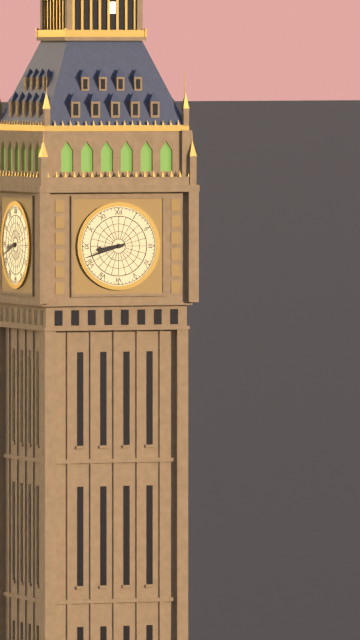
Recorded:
8 h 42 min
